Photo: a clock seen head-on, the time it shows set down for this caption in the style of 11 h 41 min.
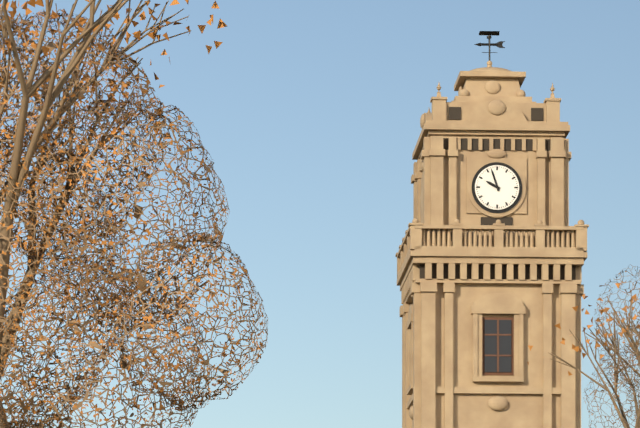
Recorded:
9 h 57 min
